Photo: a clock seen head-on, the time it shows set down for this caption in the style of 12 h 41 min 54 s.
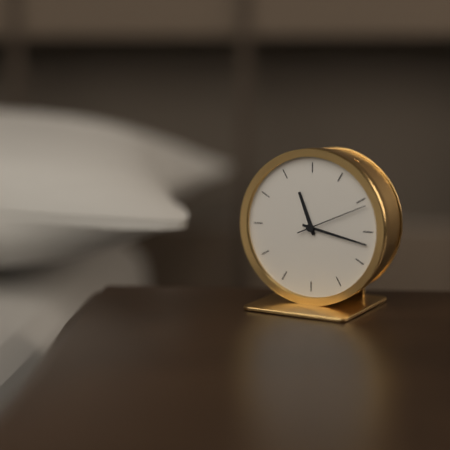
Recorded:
11 h 17 min 11 s
